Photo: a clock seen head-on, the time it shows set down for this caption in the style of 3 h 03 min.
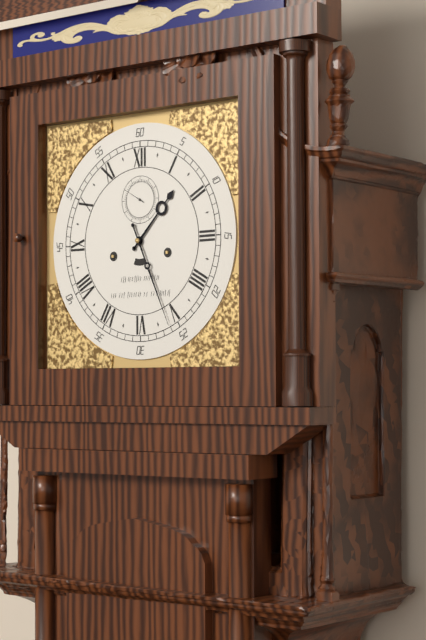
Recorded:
1 h 26 min
